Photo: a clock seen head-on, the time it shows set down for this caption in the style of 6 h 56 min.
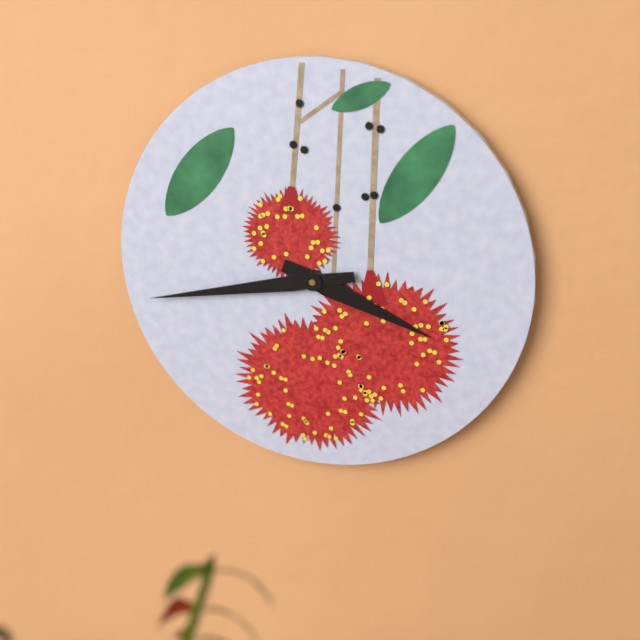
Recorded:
3 h 43 min
